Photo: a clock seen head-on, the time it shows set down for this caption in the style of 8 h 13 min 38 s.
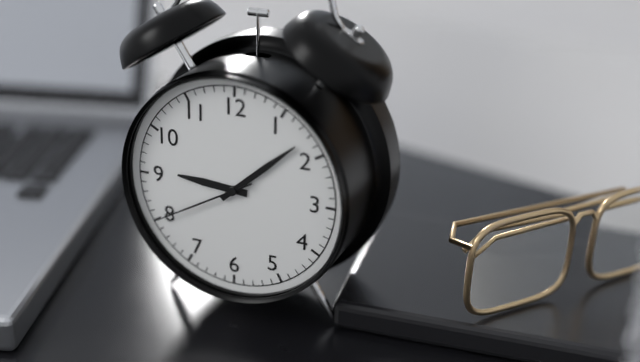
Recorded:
9 h 08 min 40 s
